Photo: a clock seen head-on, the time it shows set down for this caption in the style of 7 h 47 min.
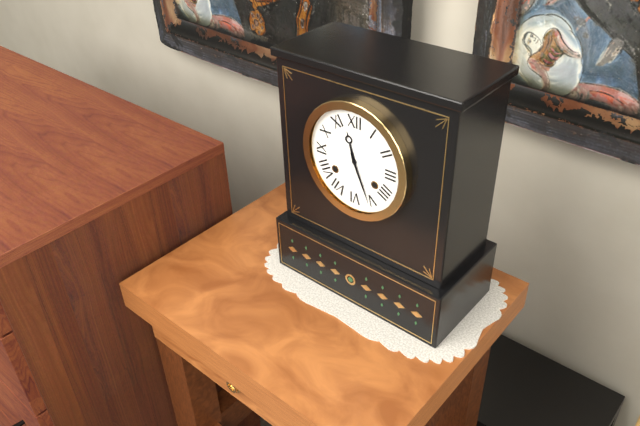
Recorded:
11 h 26 min
